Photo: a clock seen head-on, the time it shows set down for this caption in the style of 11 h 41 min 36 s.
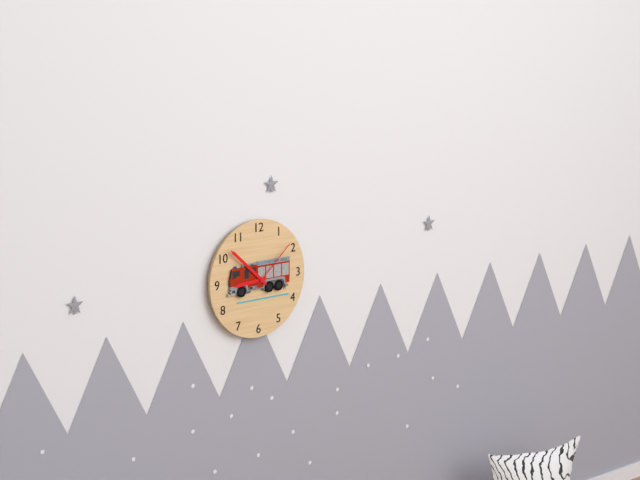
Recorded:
8 h 52 min 08 s
